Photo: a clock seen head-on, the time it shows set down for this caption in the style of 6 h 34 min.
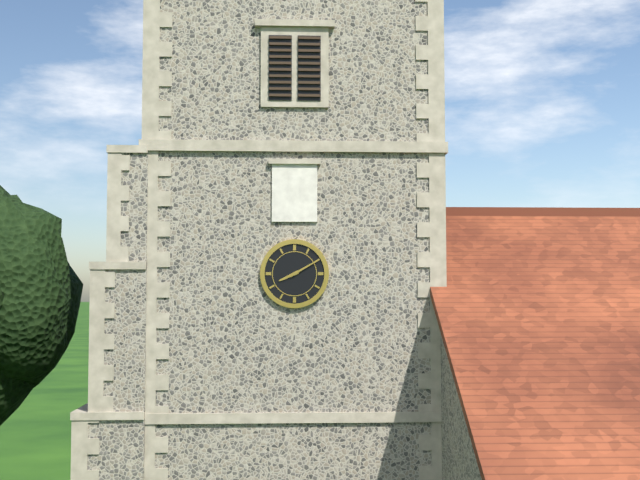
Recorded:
8 h 10 min
